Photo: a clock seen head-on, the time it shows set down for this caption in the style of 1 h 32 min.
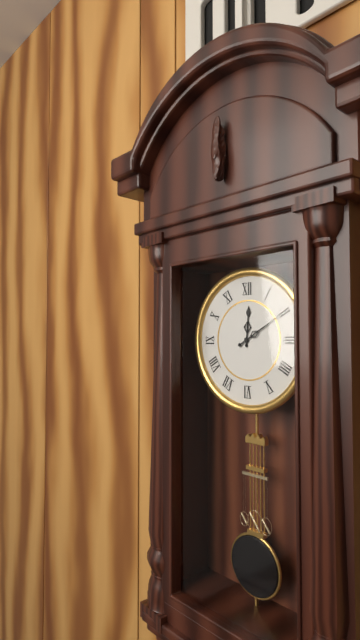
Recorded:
12 h 10 min
